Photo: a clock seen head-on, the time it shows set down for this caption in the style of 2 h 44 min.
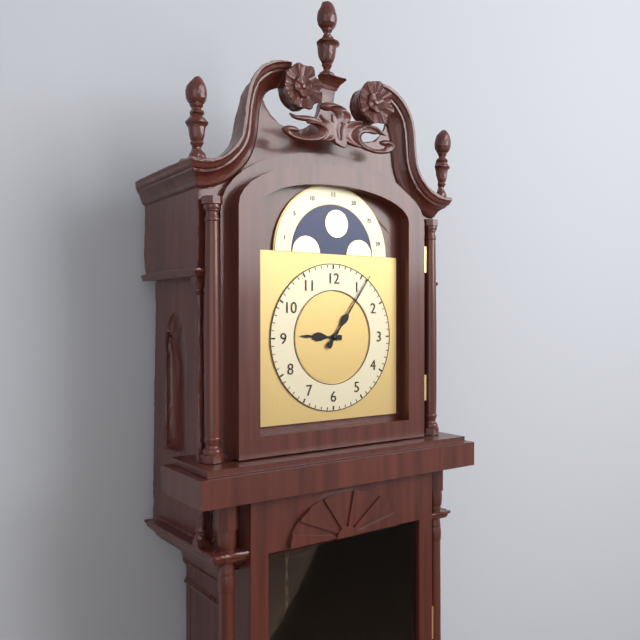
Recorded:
9 h 06 min
